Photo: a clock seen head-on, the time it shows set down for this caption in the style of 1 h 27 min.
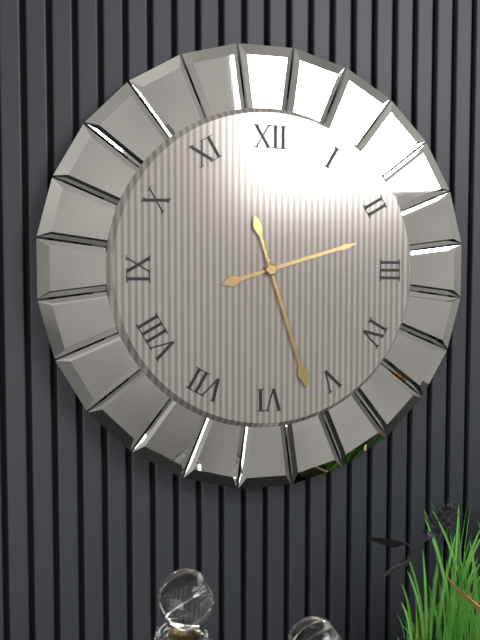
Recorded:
2 h 27 min
